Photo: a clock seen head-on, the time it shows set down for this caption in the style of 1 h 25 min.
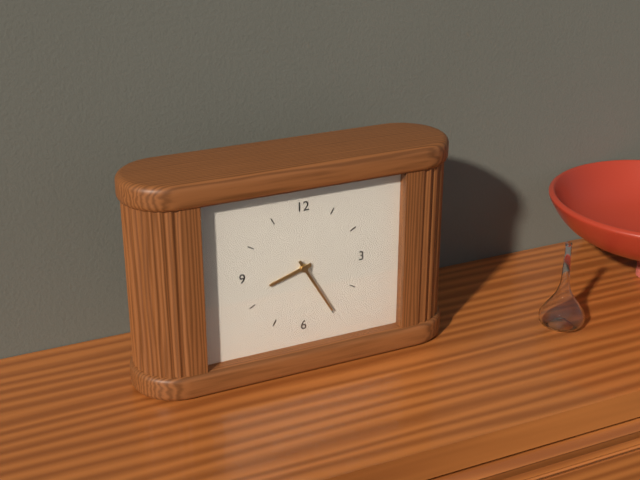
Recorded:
8 h 25 min
